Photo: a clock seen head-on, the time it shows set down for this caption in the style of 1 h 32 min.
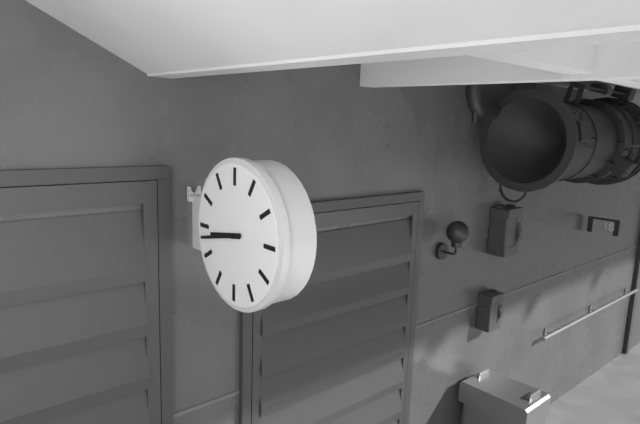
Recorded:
8 h 43 min
